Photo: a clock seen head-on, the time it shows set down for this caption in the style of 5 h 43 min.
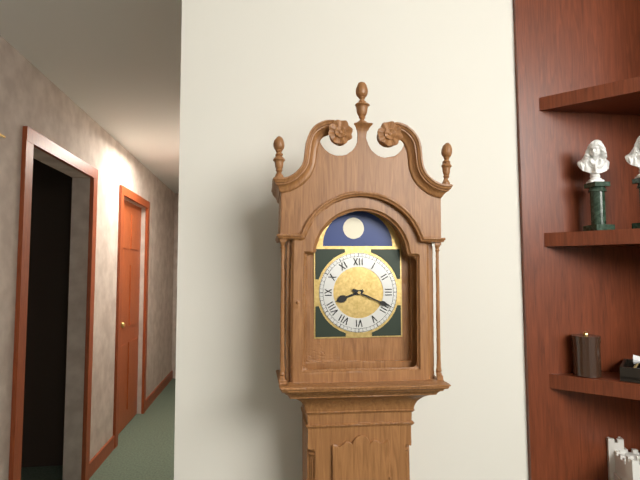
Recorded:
8 h 19 min
